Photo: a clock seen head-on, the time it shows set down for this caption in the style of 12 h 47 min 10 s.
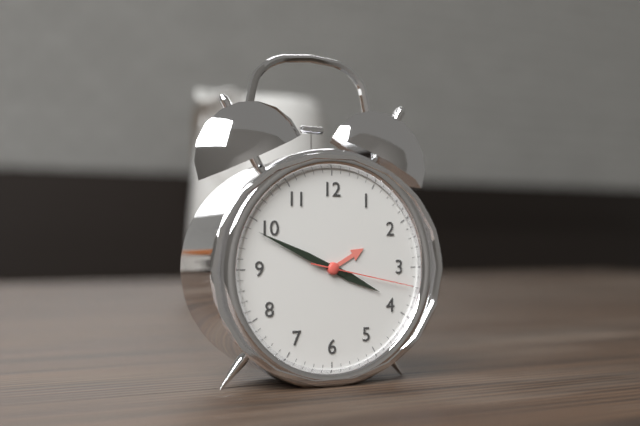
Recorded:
3 h 49 min 17 s
